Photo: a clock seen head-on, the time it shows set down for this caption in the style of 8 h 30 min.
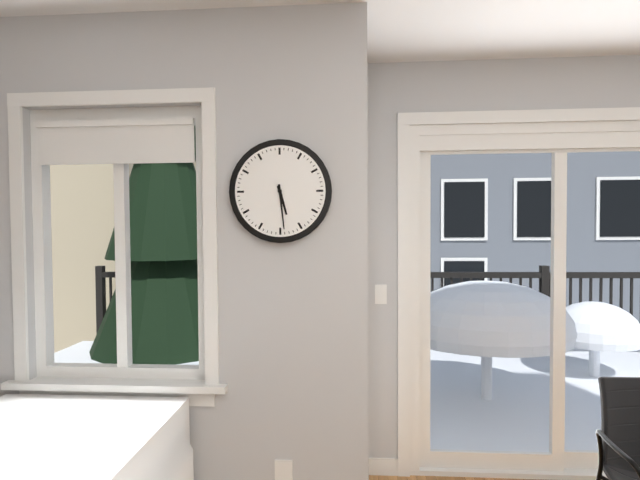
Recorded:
5 h 29 min
